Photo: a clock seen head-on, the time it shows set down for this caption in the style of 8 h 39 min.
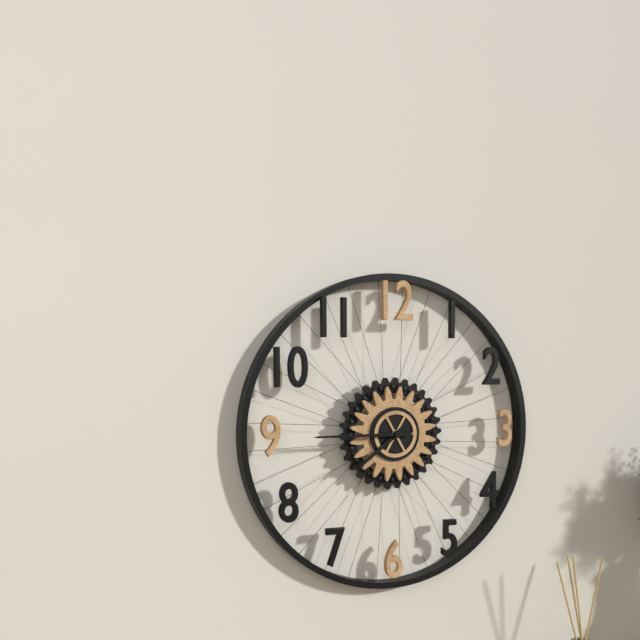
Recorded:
7 h 45 min
